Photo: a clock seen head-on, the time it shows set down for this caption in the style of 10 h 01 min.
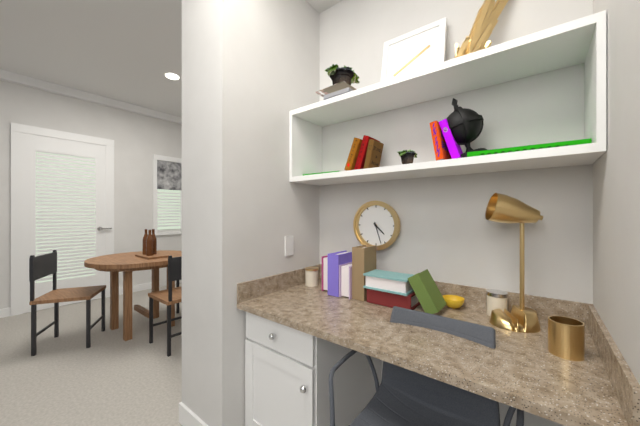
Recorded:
4 h 27 min
